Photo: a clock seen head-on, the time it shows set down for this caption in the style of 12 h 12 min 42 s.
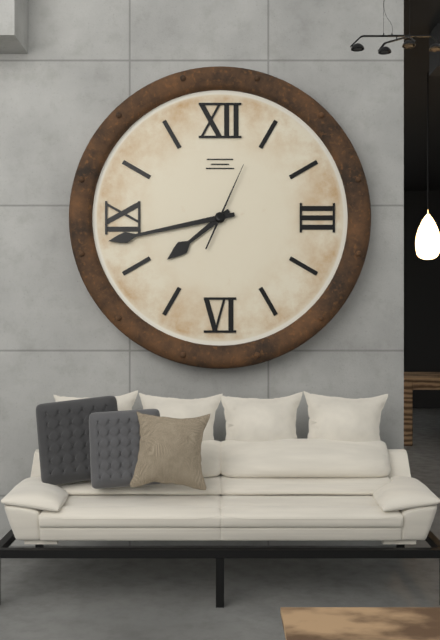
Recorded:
7 h 43 min 04 s
